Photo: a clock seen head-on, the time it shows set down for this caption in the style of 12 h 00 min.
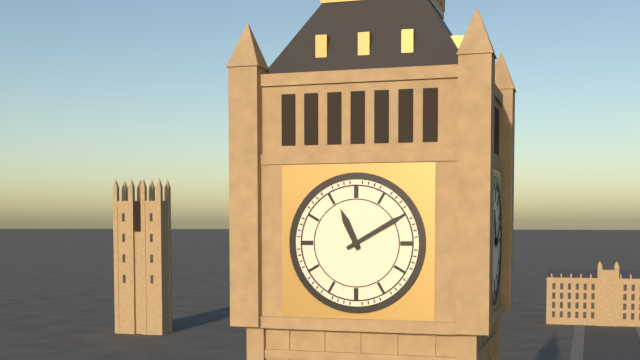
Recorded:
11 h 10 min
